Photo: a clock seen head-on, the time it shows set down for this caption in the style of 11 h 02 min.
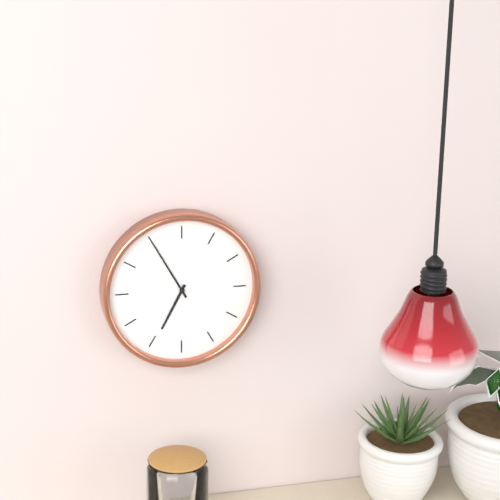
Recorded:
6 h 55 min
